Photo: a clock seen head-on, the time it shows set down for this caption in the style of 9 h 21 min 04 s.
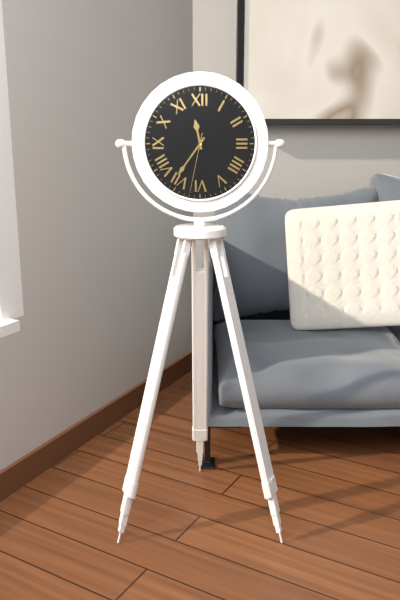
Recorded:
11 h 36 min 32 s
